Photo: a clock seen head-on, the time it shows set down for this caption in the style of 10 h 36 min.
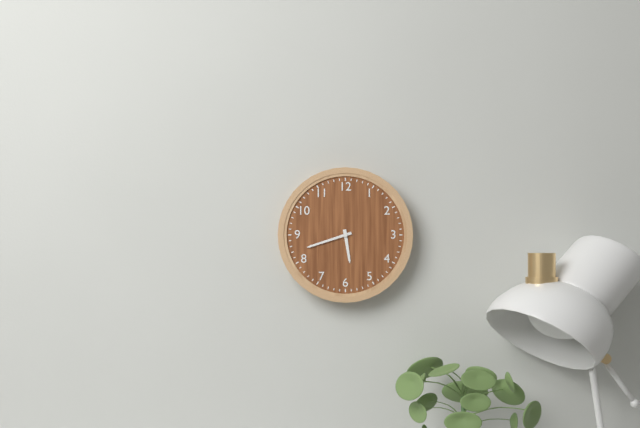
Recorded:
5 h 42 min
